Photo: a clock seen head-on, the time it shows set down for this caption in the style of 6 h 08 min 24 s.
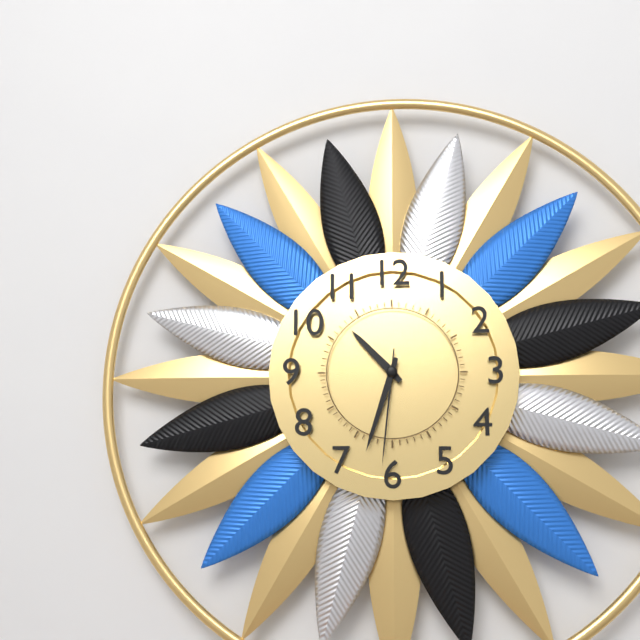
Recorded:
10 h 33 min 31 s
